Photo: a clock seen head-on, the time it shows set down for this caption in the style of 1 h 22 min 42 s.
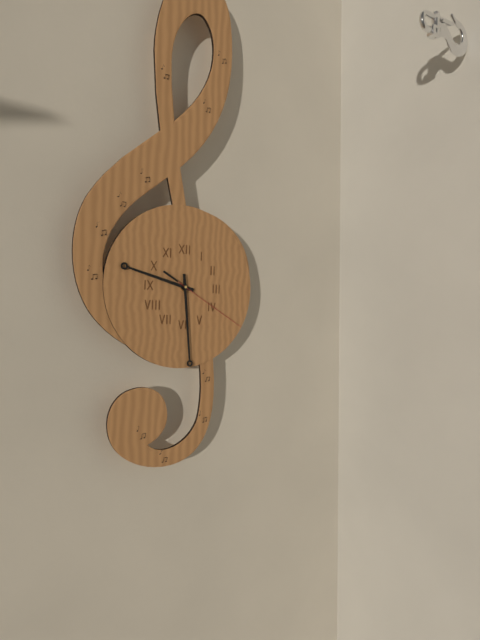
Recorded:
9 h 29 min 20 s
